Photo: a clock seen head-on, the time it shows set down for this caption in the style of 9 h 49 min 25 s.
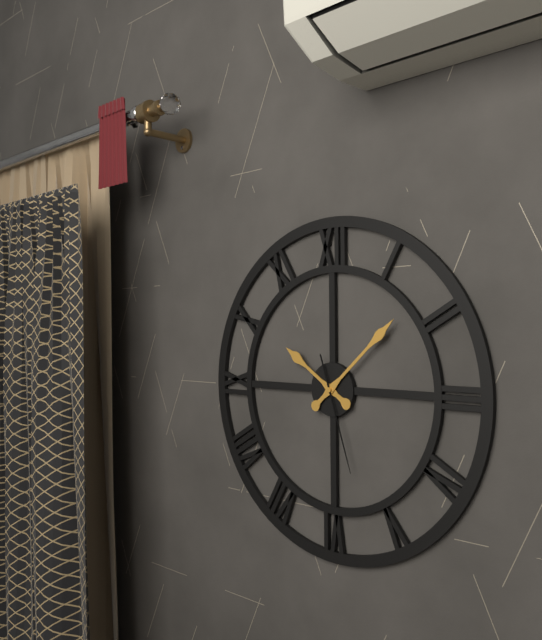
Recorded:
10 h 08 min 27 s
